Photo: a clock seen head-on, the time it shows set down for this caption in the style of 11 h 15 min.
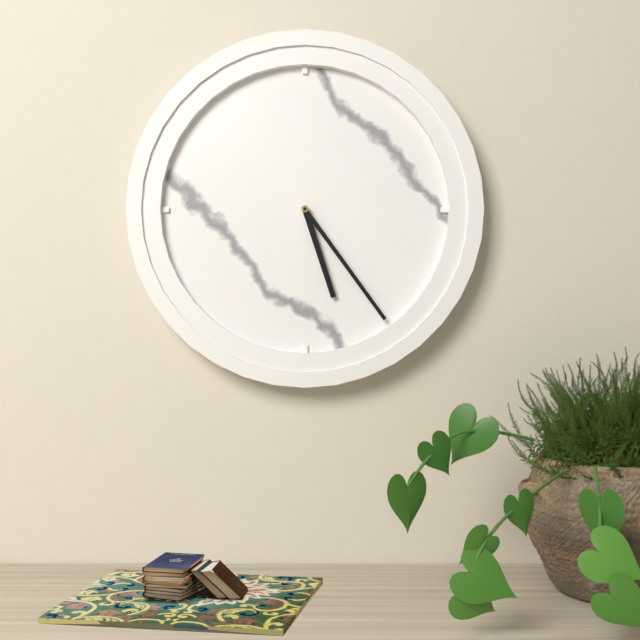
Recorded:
5 h 24 min
